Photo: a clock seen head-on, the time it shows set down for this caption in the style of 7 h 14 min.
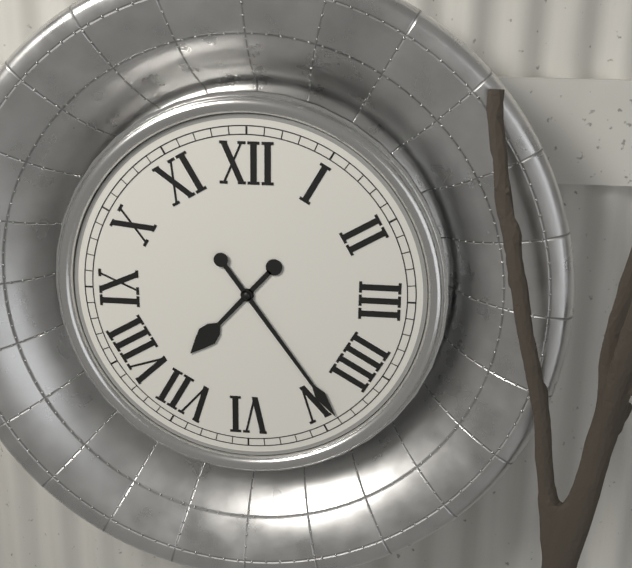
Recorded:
7 h 24 min
